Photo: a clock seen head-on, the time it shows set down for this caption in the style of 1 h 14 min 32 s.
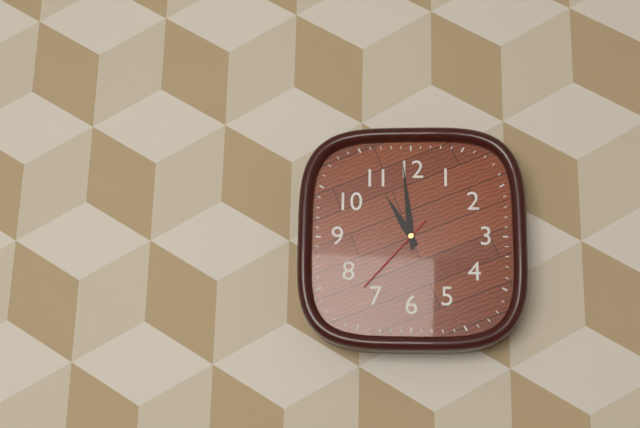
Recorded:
10 h 59 min 37 s
